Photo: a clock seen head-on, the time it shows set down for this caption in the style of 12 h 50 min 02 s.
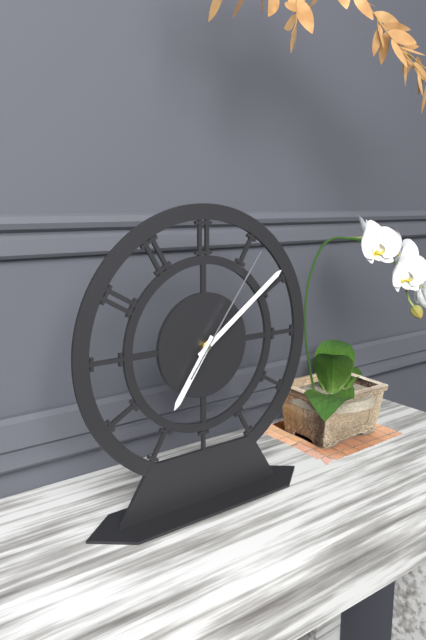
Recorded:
7 h 09 min 06 s
